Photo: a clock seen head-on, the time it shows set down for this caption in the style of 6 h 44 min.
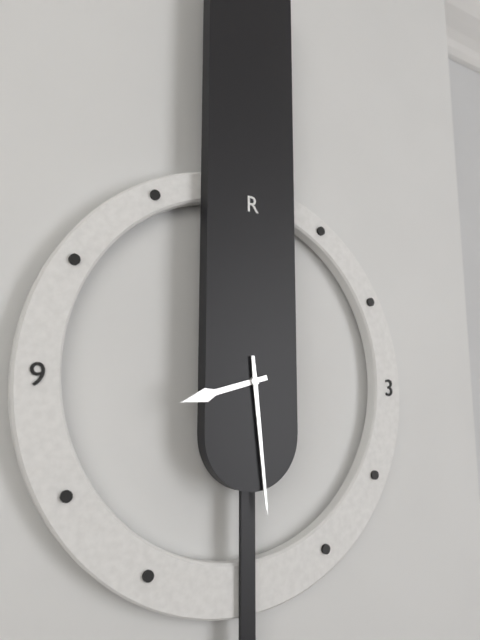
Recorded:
8 h 29 min
